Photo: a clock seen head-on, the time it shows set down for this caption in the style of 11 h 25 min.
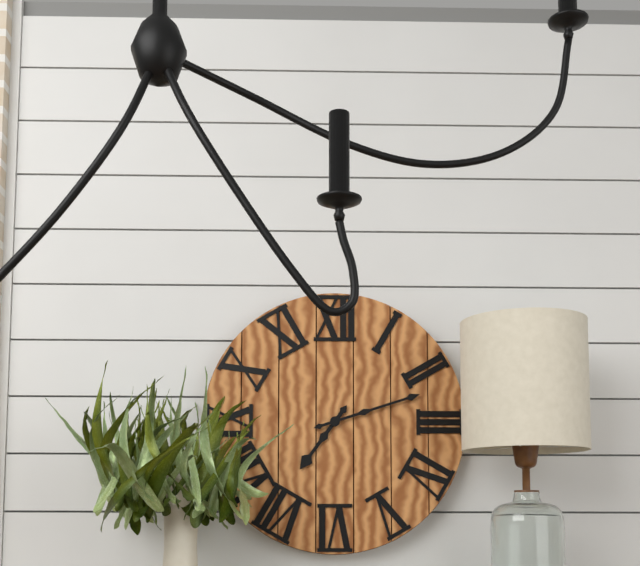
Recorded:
7 h 12 min
